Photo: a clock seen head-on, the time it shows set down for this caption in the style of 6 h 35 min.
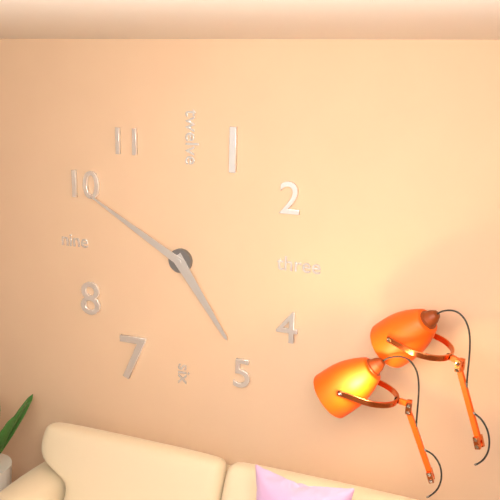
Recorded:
4 h 50 min
